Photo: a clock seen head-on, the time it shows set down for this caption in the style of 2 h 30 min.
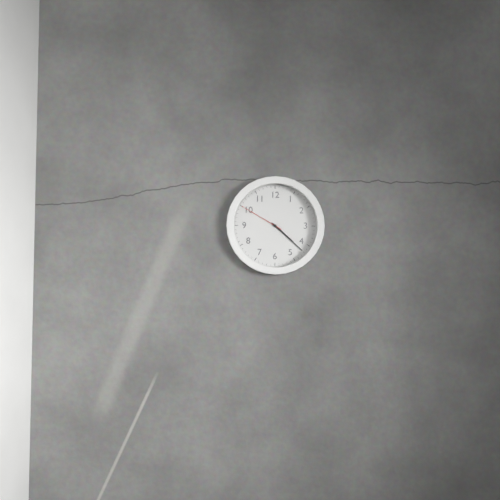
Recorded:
4 h 22 min
